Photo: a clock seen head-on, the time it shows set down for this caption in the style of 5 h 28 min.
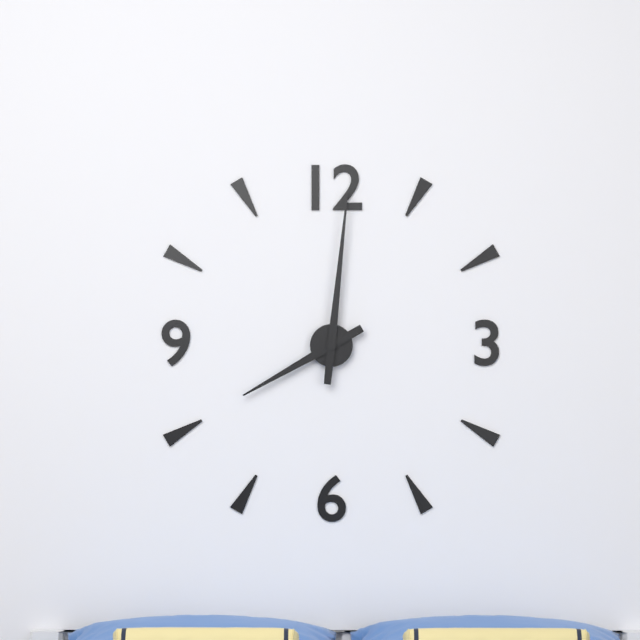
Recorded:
8 h 01 min
